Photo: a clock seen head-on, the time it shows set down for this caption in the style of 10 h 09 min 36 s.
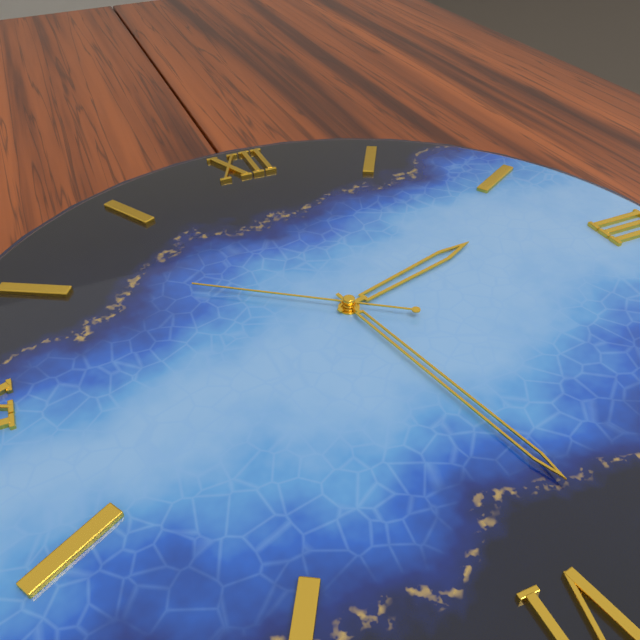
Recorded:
2 h 28 min 51 s
